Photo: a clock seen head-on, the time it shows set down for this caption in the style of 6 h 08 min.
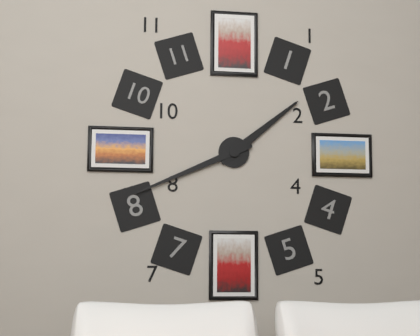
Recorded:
1 h 41 min
